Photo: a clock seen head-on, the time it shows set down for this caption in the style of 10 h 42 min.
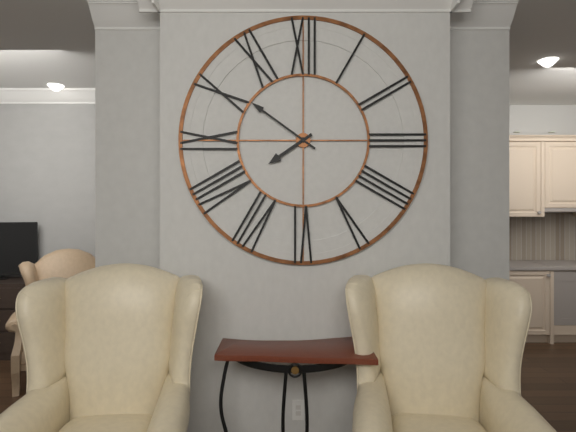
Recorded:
7 h 51 min
